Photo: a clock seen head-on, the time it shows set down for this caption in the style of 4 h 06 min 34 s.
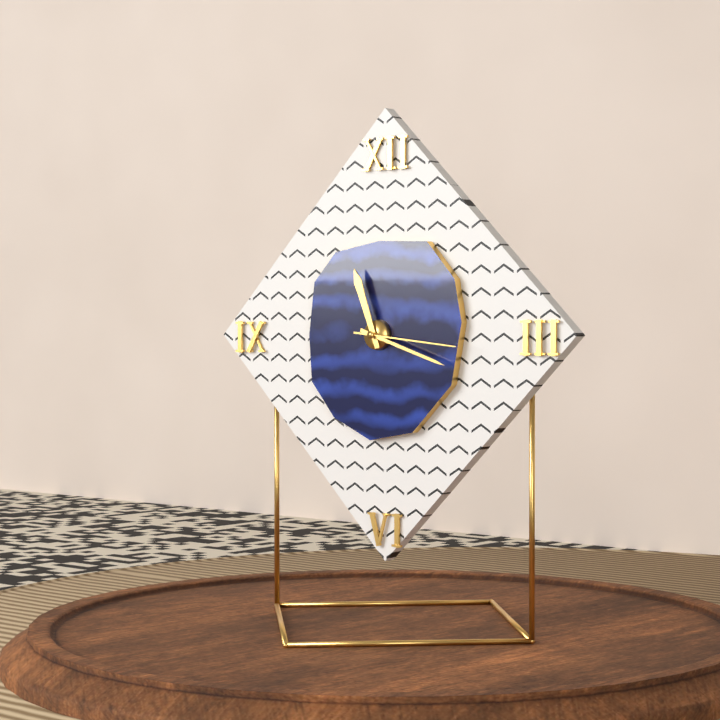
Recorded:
11 h 18 min 16 s
